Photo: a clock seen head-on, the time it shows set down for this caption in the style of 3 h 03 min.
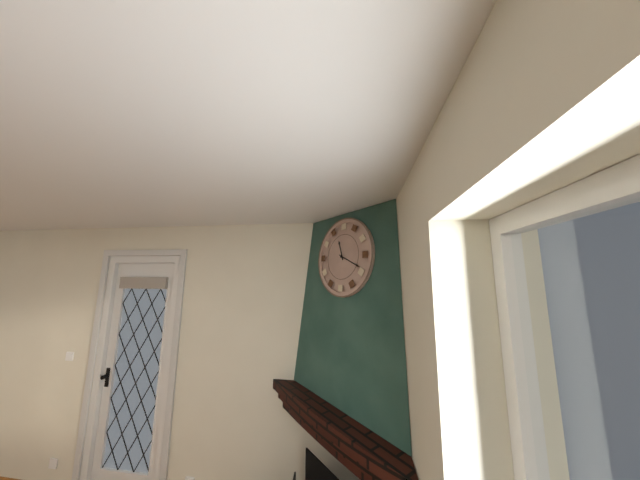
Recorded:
11 h 19 min
